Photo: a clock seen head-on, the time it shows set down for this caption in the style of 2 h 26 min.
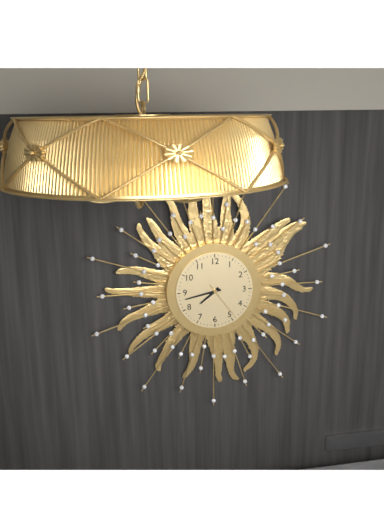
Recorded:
7 h 43 min
